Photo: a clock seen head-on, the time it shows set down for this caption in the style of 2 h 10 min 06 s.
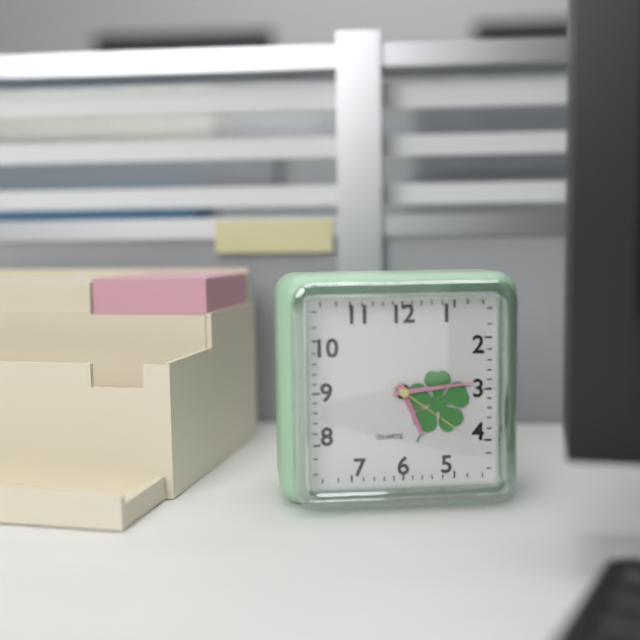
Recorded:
5 h 14 min 21 s
